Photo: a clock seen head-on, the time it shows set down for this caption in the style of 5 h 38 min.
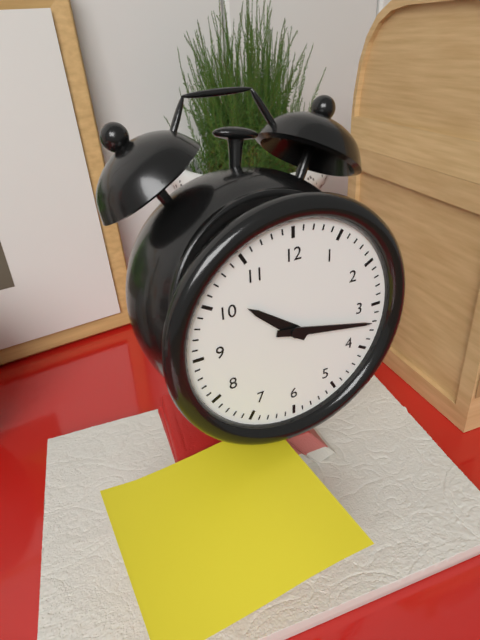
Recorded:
10 h 17 min
